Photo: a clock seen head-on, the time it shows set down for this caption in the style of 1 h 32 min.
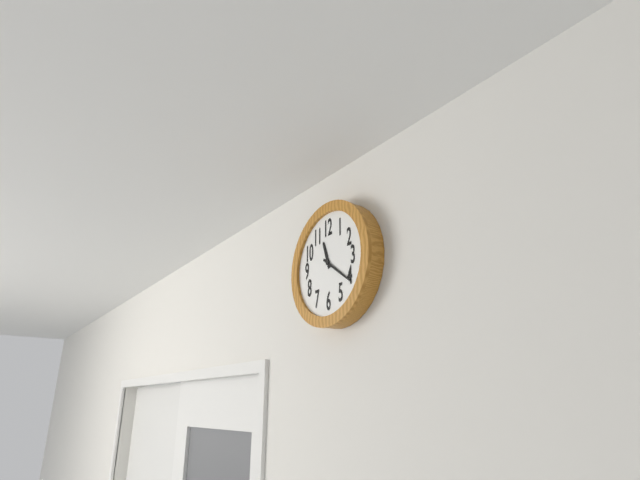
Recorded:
11 h 21 min
